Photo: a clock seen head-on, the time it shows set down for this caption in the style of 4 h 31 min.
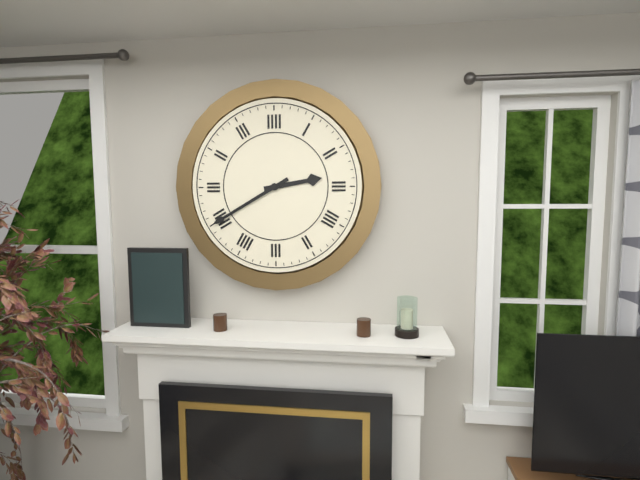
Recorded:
2 h 40 min
